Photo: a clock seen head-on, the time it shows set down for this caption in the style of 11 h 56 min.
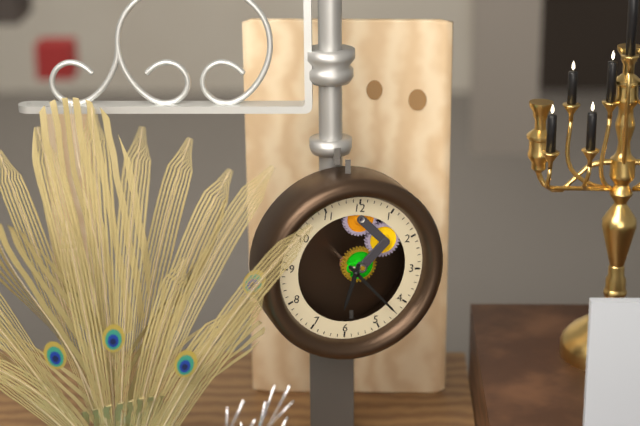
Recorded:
6 h 22 min
